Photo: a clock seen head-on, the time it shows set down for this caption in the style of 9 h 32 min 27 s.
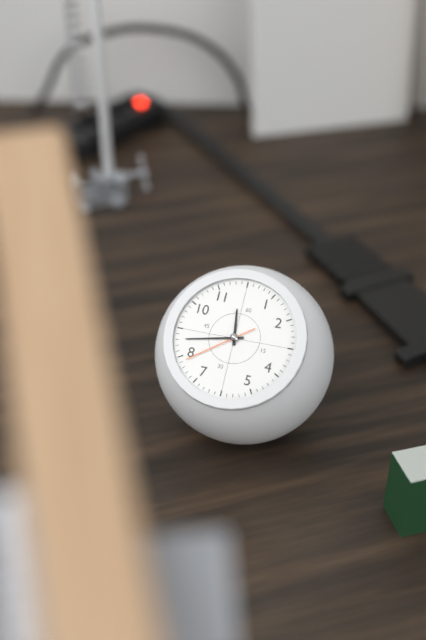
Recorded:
11 h 43 min 39 s
